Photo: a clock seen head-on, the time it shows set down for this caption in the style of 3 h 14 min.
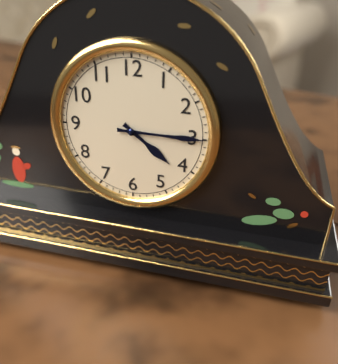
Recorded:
4 h 15 min
